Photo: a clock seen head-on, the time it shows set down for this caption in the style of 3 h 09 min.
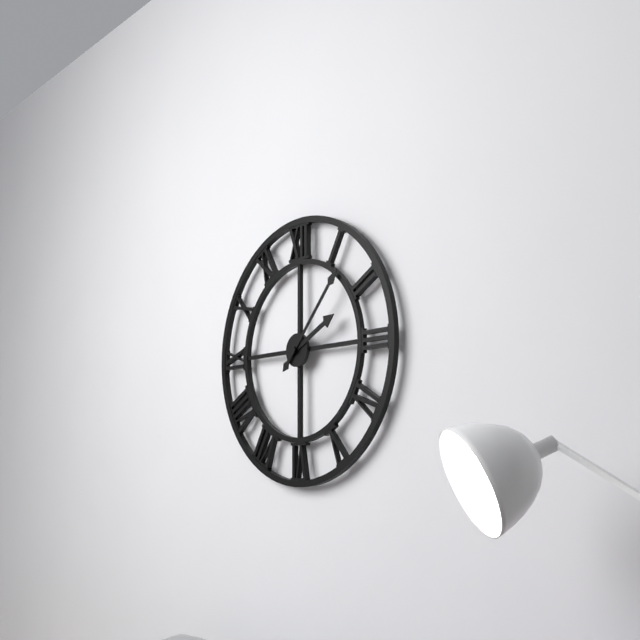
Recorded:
2 h 07 min
